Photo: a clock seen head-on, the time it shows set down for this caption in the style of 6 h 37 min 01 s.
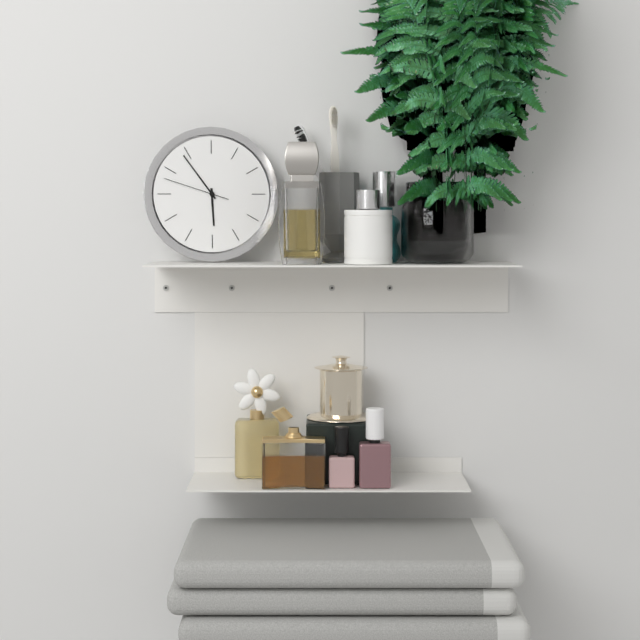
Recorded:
5 h 54 min 48 s
